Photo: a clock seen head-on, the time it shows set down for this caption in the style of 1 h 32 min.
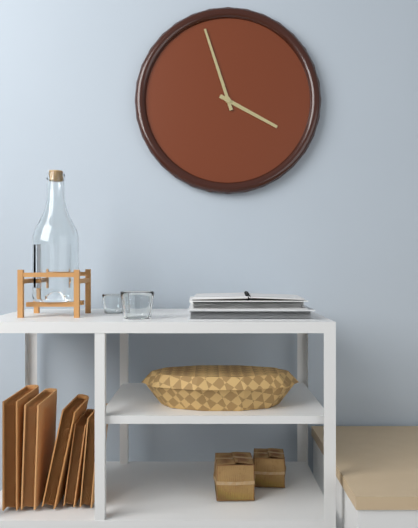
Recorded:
3 h 57 min
